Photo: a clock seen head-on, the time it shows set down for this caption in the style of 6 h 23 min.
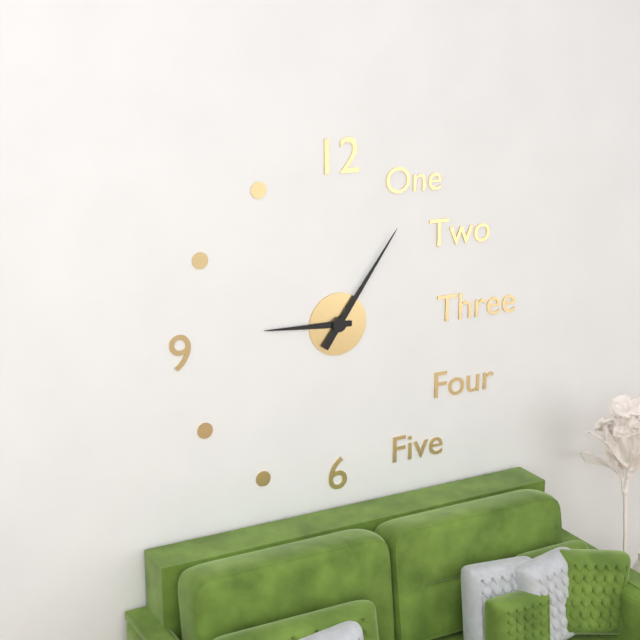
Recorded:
9 h 06 min
